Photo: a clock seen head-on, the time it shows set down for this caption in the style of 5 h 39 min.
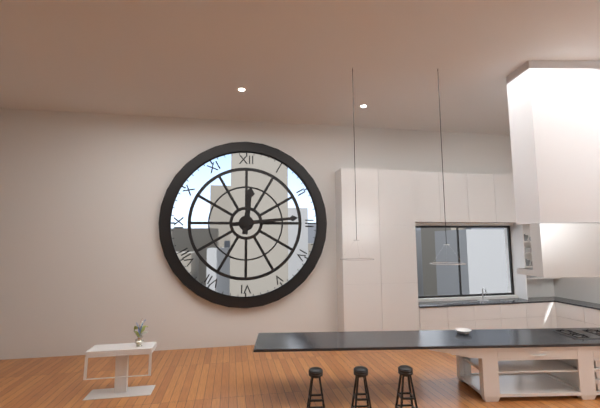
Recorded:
12 h 14 min
